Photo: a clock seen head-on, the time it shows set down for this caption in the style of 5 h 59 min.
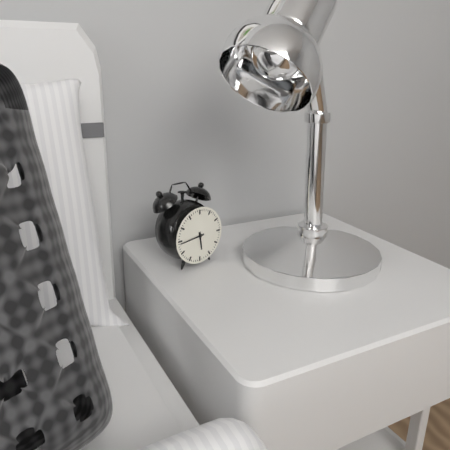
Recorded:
5 h 44 min
